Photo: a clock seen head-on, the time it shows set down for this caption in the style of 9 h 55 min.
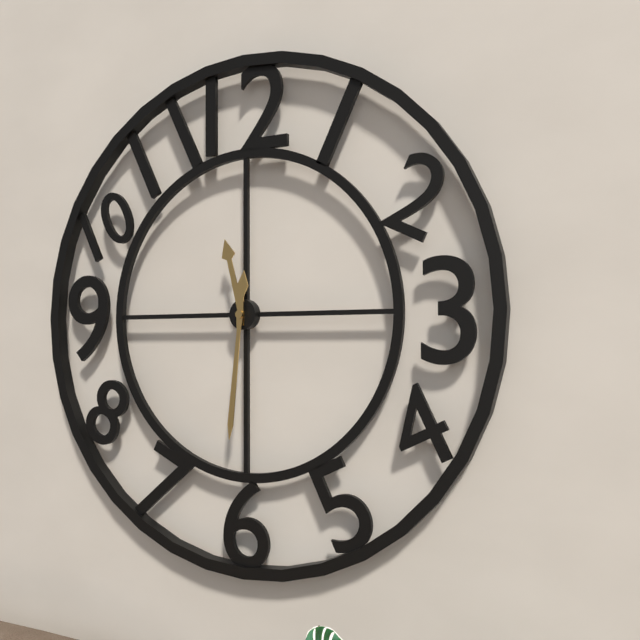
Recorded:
11 h 31 min
